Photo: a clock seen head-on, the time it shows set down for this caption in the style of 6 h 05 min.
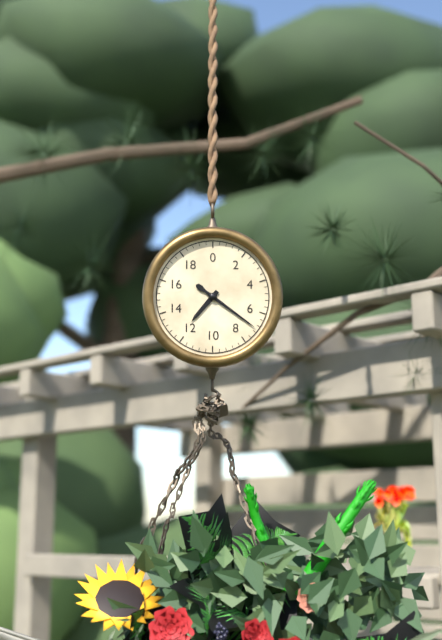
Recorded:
7 h 21 min
